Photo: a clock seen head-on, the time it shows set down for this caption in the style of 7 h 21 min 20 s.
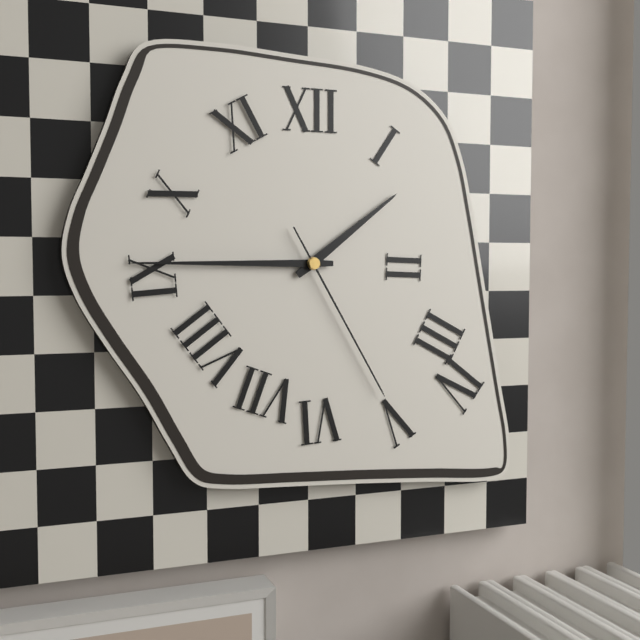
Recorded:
1 h 45 min 25 s
